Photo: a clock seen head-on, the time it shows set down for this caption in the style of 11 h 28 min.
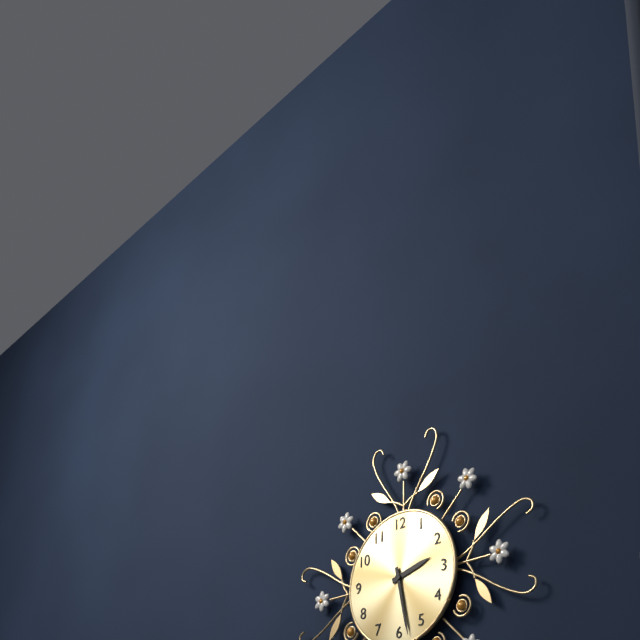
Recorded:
2 h 28 min
